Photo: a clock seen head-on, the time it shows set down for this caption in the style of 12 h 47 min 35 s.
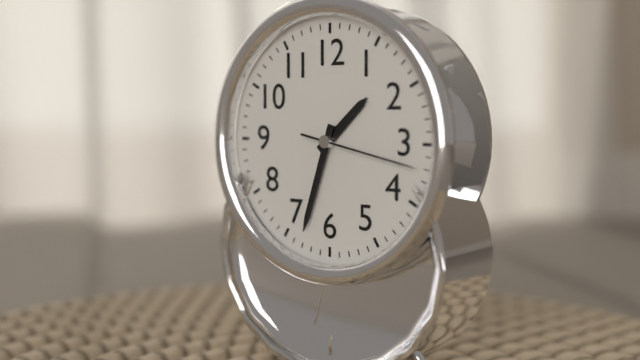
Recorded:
1 h 33 min 17 s
